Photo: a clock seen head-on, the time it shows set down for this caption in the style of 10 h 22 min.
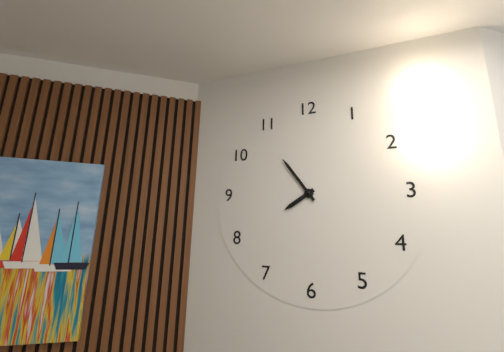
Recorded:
7 h 54 min
